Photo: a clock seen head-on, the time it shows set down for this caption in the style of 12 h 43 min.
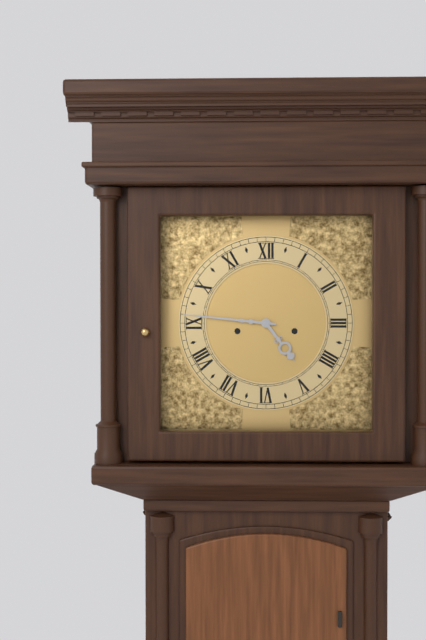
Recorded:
4 h 46 min
